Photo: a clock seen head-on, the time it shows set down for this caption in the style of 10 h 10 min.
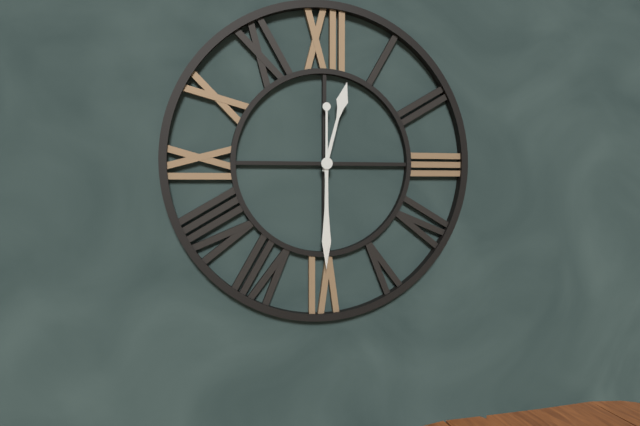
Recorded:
12 h 30 min
